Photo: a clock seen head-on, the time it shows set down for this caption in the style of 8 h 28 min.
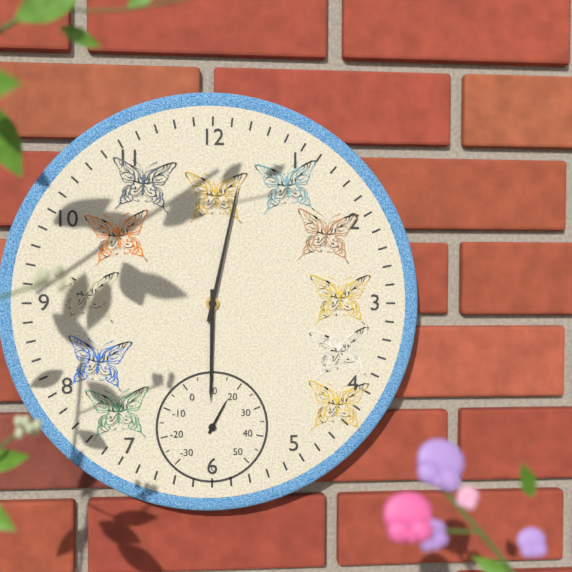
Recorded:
6 h 02 min
